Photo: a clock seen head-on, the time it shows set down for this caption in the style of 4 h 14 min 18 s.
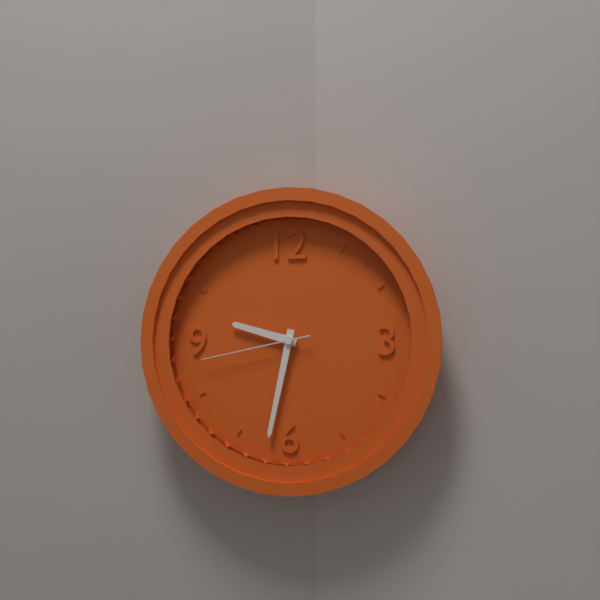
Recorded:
9 h 32 min 43 s
